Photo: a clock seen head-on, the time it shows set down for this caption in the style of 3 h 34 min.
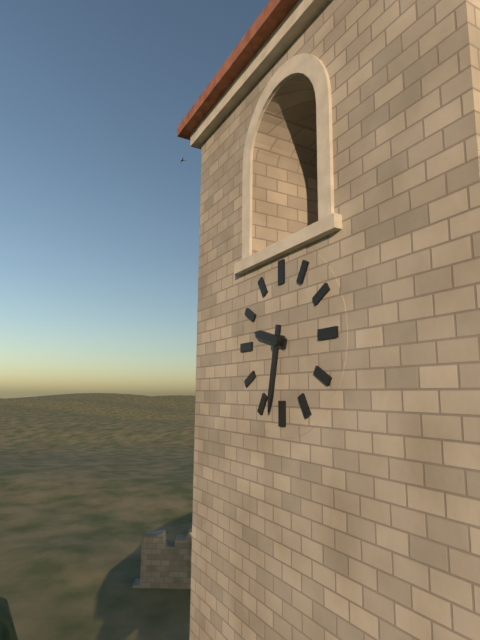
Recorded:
9 h 32 min
